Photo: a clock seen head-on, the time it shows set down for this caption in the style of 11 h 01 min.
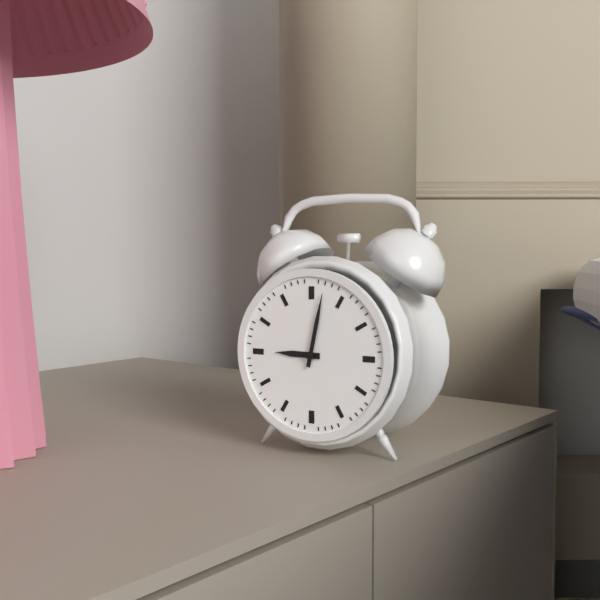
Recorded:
9 h 02 min
